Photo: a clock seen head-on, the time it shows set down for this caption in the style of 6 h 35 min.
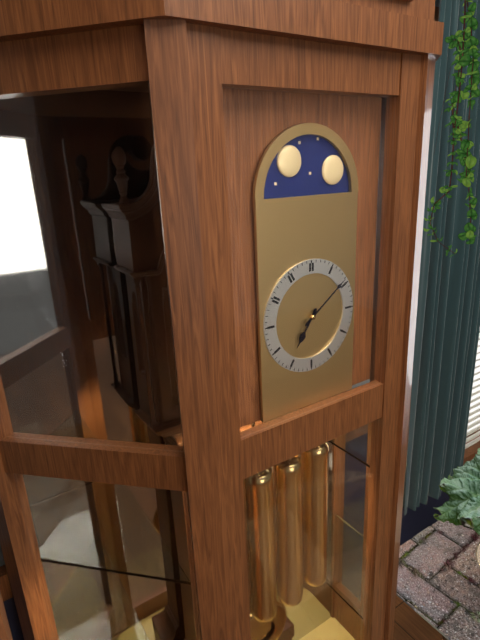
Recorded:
7 h 09 min
